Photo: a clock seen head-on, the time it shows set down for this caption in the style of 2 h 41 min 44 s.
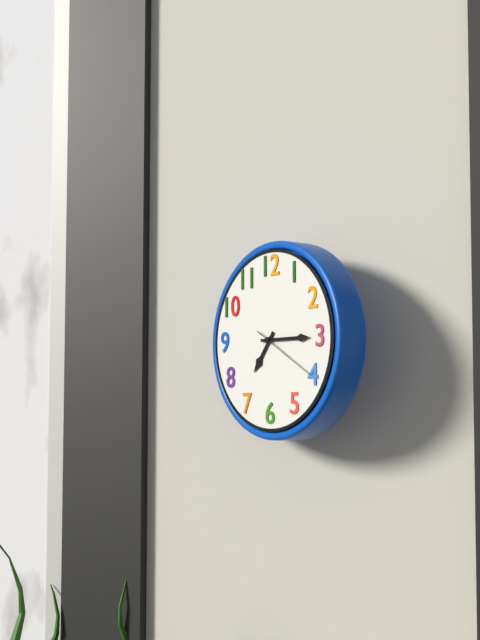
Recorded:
7 h 15 min 20 s
